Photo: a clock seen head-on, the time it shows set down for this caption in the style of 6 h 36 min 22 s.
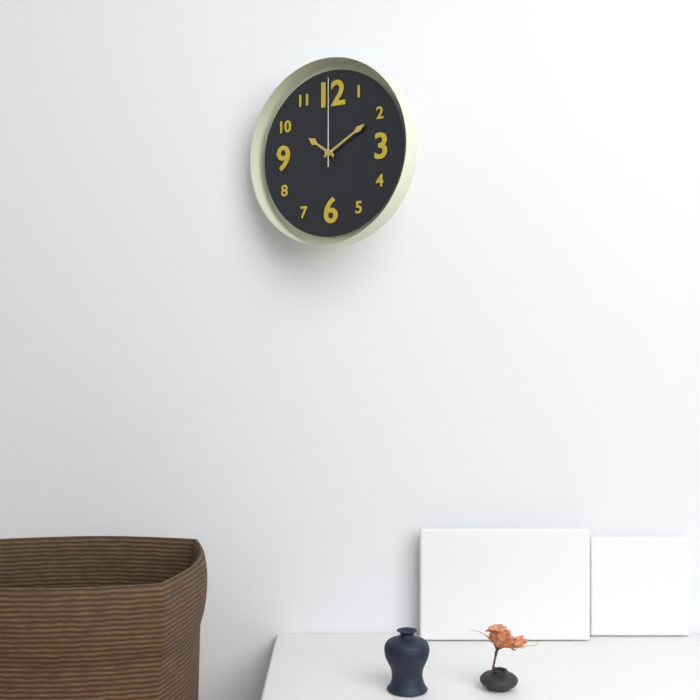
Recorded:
10 h 10 min 00 s
